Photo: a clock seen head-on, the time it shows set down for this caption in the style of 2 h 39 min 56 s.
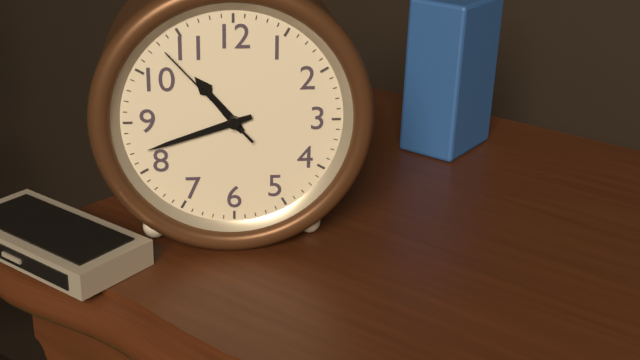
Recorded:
10 h 42 min 53 s
